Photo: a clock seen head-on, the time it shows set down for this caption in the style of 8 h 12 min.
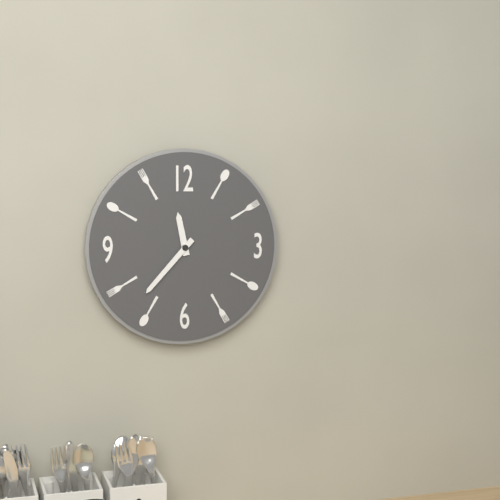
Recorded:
11 h 37 min
